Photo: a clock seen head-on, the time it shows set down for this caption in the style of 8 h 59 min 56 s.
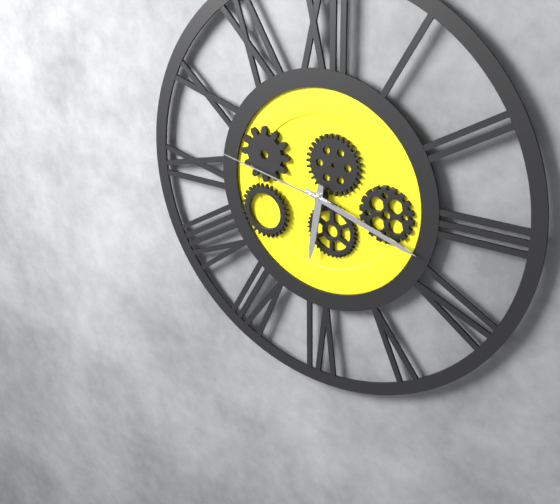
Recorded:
6 h 18 min 47 s
